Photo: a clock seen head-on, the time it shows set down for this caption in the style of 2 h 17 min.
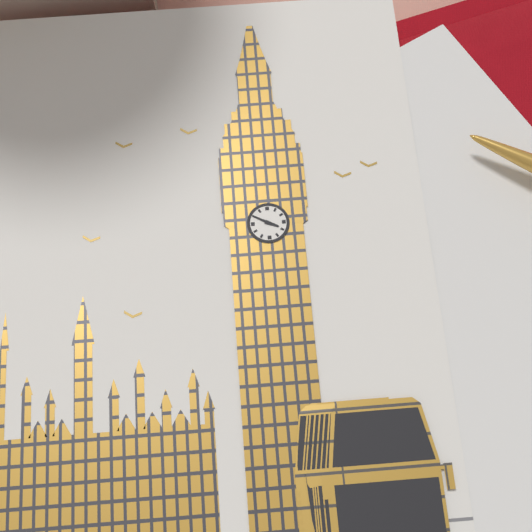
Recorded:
3 h 50 min
